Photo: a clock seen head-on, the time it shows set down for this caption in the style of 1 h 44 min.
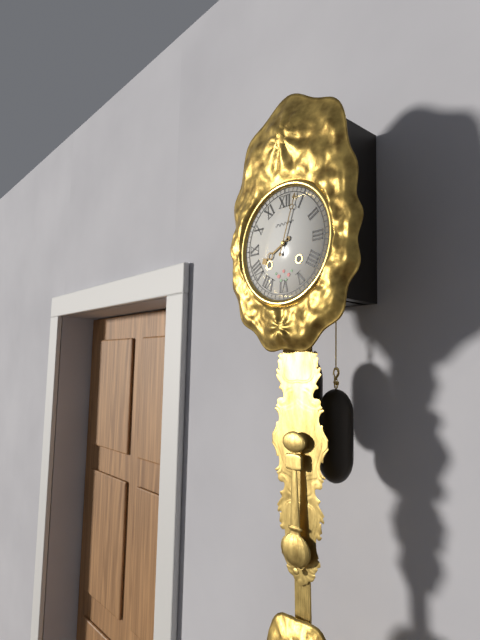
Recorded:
8 h 03 min
